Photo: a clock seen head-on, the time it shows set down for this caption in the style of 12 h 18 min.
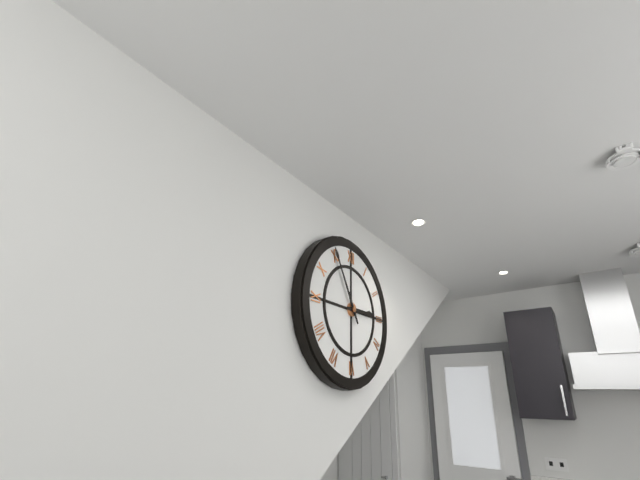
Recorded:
2 h 55 min
